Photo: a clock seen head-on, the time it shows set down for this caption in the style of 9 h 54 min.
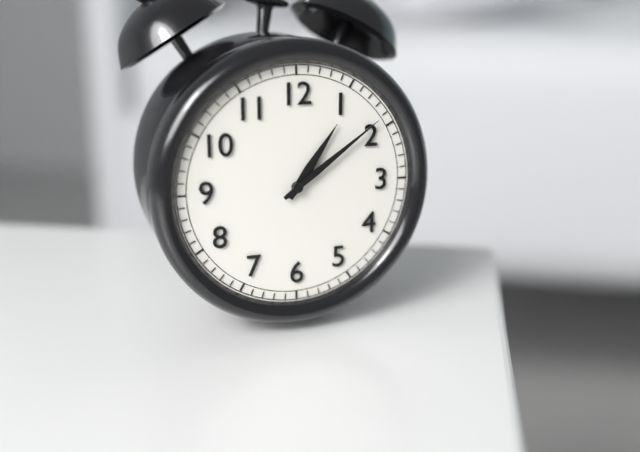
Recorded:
1 h 09 min
